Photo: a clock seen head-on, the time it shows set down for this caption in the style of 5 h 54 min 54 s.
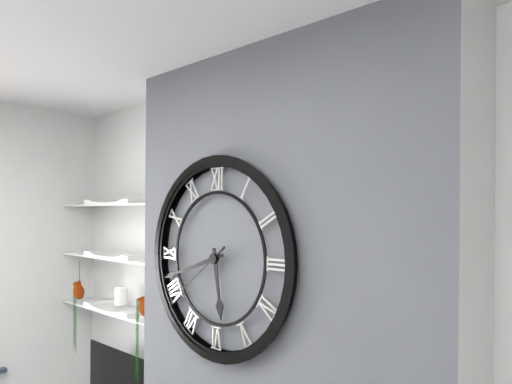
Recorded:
5 h 42 min 39 s
